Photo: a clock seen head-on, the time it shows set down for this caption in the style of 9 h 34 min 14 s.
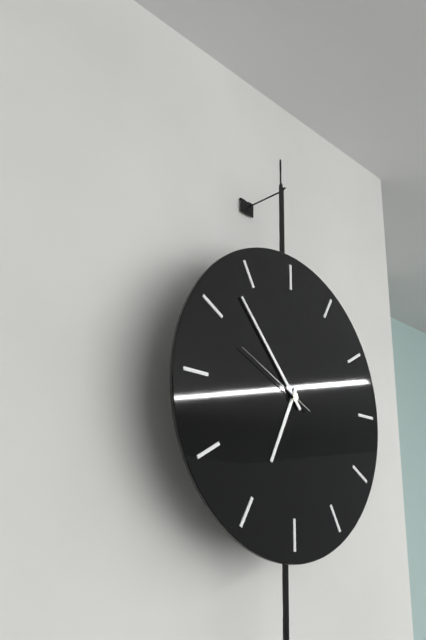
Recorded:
6 h 53 min 49 s
